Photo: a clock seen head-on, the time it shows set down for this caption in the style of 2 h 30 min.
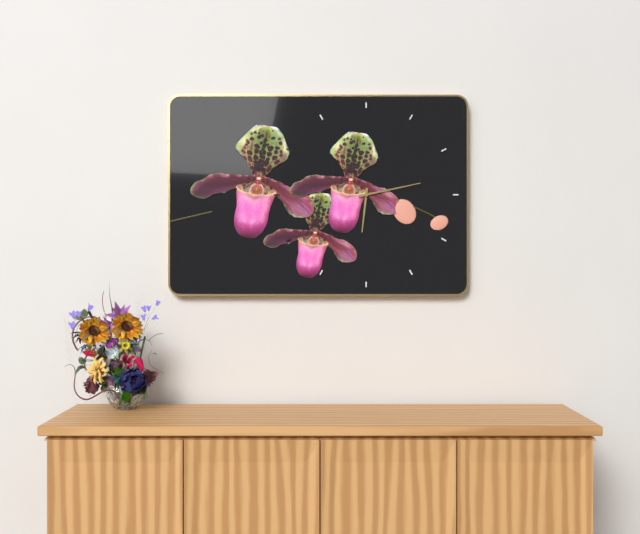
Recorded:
6 h 13 min
